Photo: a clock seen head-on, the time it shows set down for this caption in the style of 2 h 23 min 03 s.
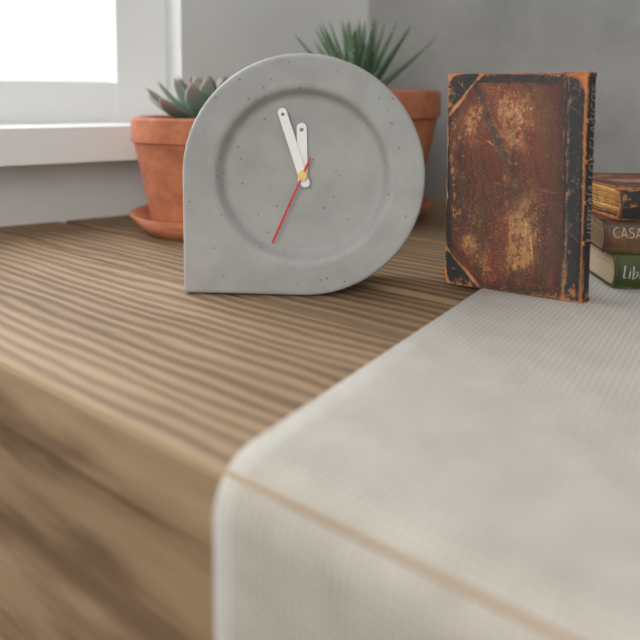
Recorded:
11 h 57 min 34 s
